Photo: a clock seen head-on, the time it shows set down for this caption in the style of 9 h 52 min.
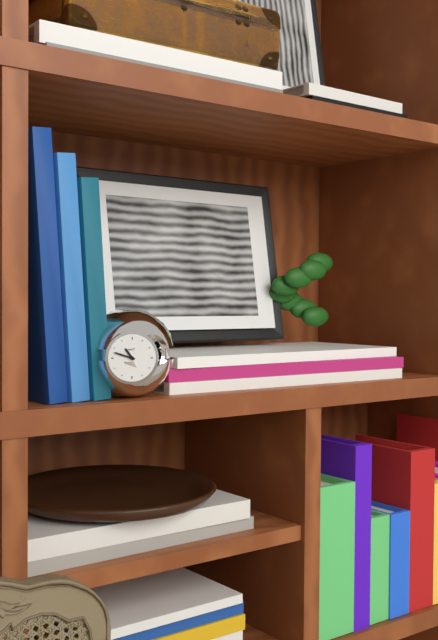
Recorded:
10 h 48 min
